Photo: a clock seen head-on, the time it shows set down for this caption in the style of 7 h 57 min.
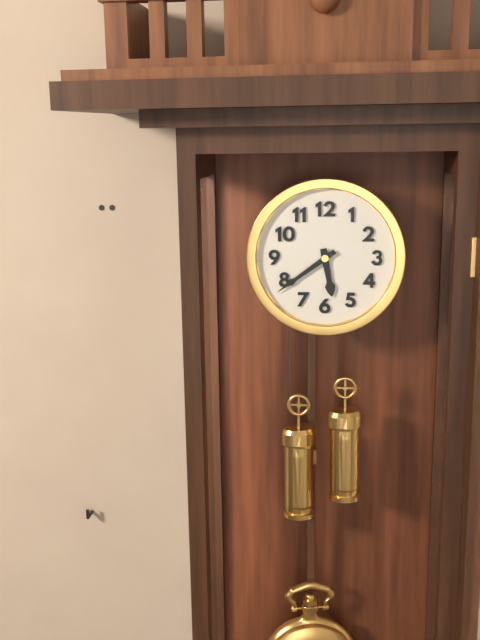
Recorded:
5 h 39 min
